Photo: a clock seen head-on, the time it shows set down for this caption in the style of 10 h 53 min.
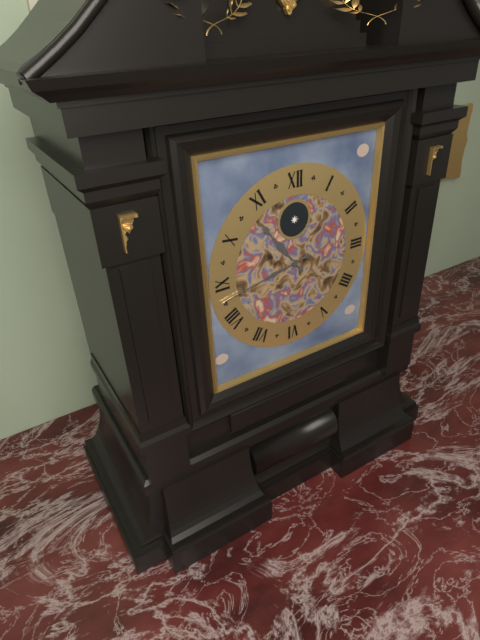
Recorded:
10 h 43 min
